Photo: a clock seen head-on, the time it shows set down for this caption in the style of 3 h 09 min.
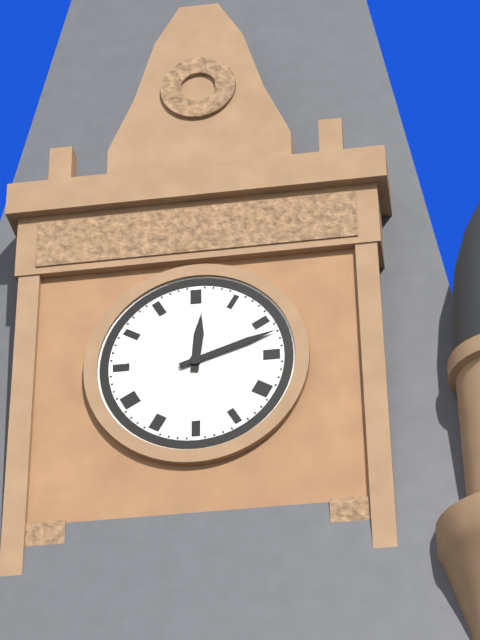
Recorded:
12 h 12 min
